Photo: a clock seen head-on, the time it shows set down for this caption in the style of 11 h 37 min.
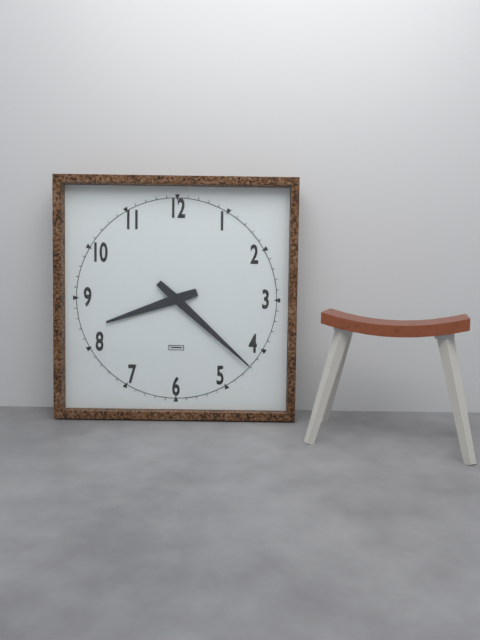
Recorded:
8 h 22 min
